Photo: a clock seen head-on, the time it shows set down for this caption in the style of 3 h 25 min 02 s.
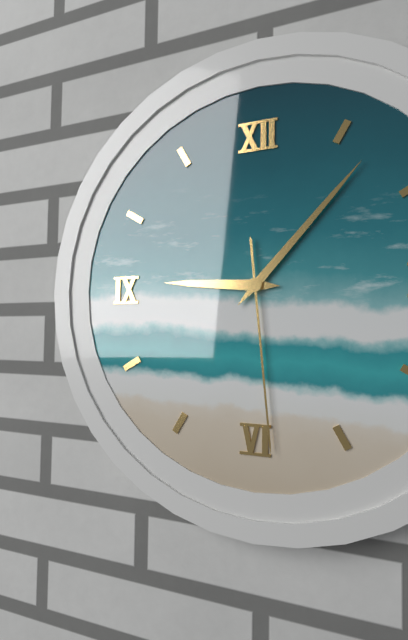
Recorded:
9 h 07 min 29 s
